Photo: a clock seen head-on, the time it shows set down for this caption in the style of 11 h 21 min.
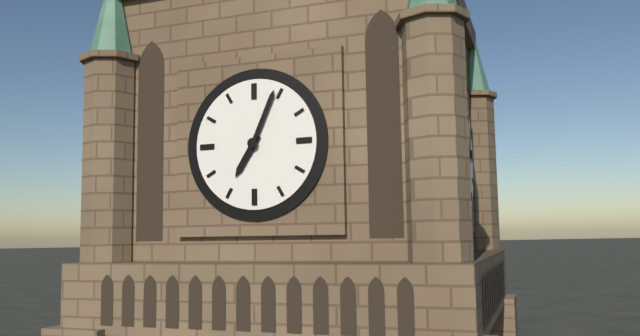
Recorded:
7 h 04 min
